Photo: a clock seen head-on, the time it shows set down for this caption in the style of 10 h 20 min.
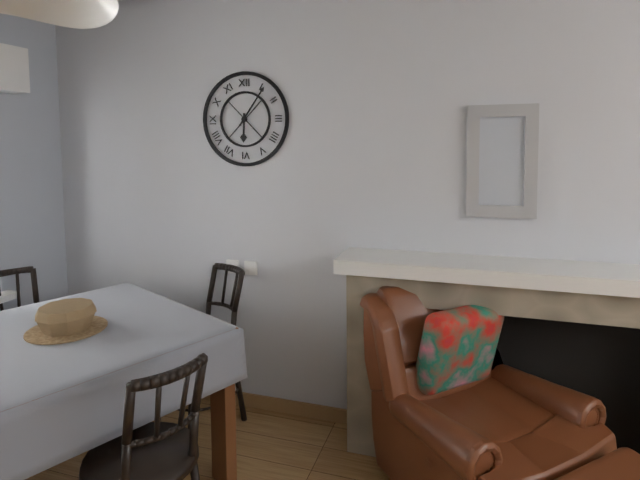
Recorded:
6 h 06 min
